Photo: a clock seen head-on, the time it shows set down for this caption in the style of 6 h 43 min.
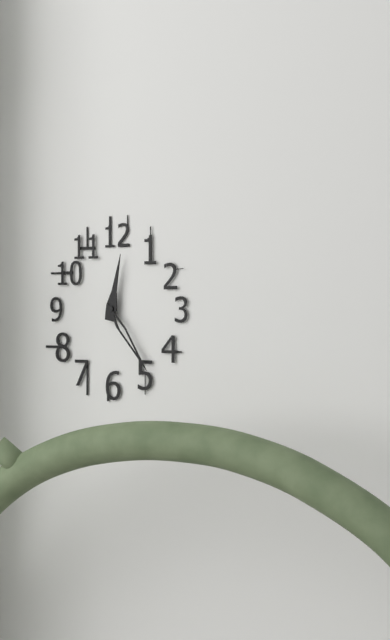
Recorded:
12 h 24 min
